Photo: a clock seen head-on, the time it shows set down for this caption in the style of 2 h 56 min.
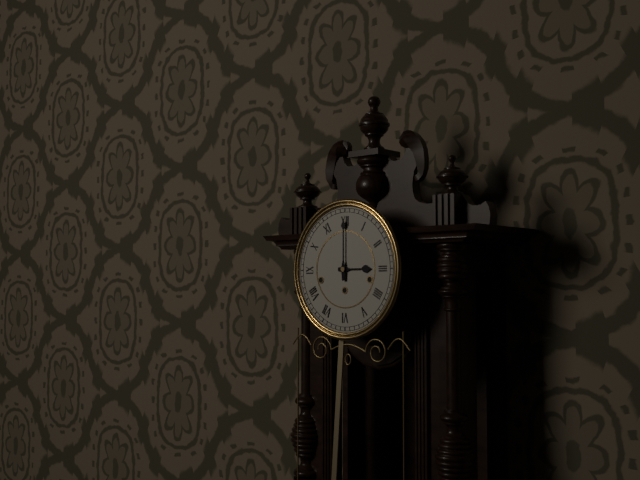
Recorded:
3 h 00 min
